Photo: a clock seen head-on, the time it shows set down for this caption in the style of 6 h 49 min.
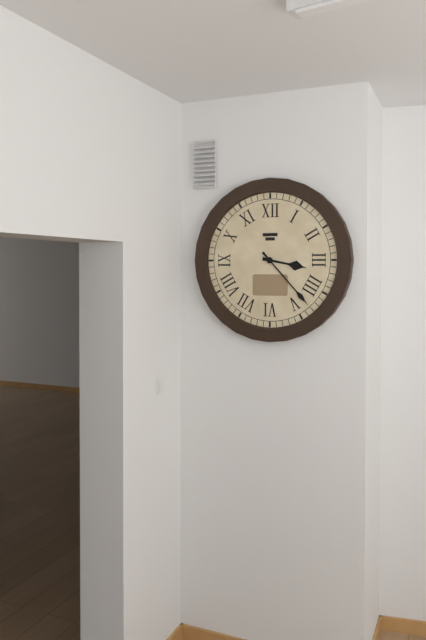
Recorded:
3 h 23 min
